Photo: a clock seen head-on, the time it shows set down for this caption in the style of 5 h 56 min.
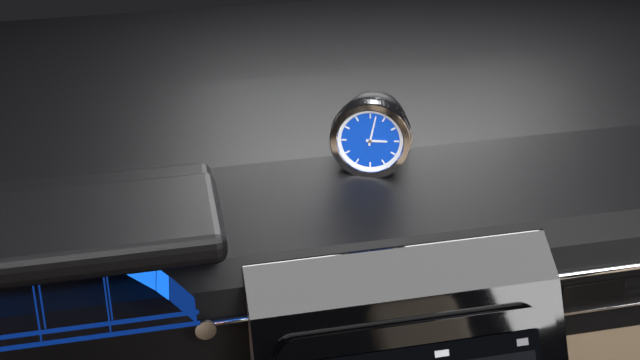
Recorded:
3 h 02 min
